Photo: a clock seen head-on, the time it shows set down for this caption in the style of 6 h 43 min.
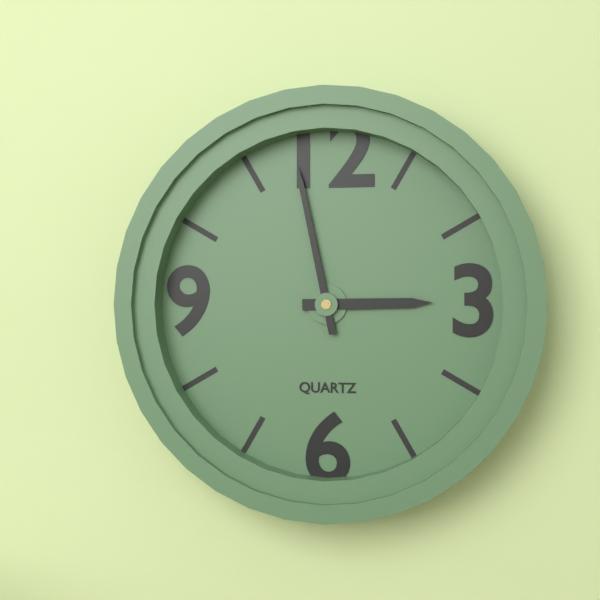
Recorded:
2 h 58 min
